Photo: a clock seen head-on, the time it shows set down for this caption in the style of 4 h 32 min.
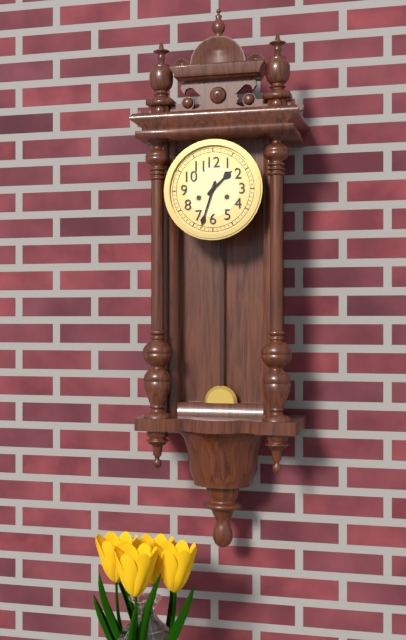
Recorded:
1 h 33 min
